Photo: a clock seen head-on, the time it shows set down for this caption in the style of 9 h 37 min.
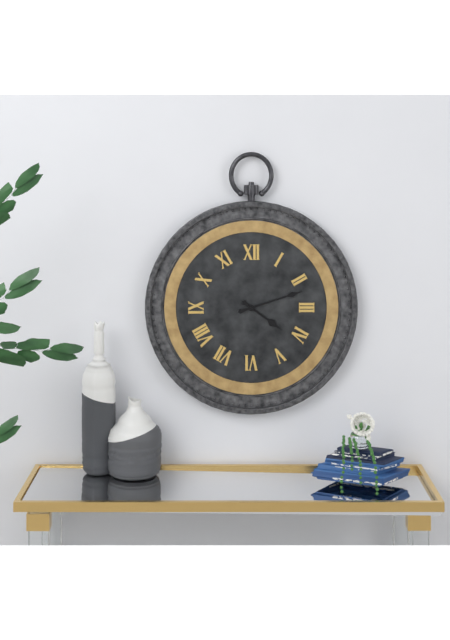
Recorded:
4 h 12 min
